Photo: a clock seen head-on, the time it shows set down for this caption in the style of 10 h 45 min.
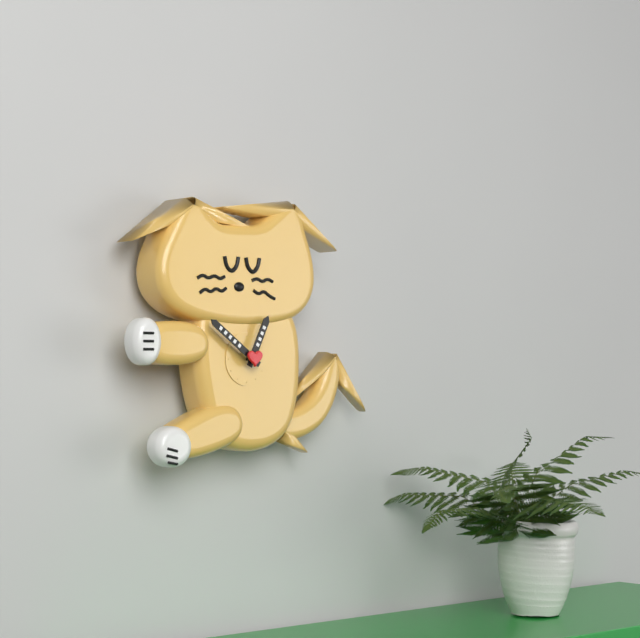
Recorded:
12 h 51 min
